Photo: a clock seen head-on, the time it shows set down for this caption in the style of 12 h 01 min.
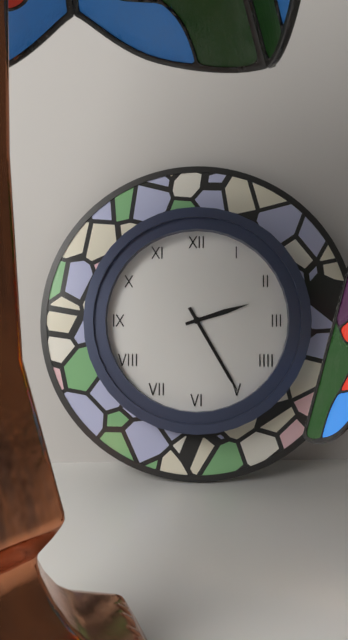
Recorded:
2 h 25 min
